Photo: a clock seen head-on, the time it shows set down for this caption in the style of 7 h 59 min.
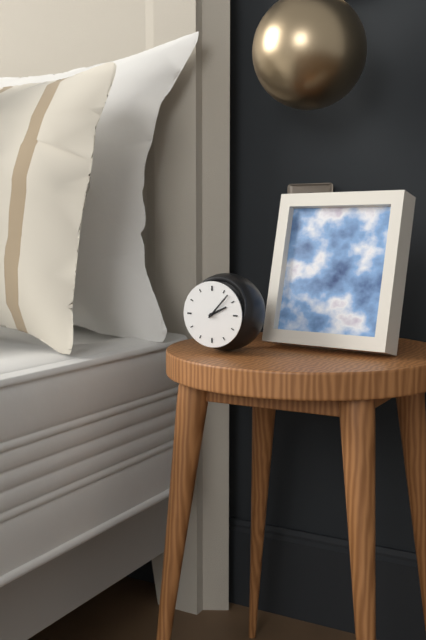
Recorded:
2 h 07 min
